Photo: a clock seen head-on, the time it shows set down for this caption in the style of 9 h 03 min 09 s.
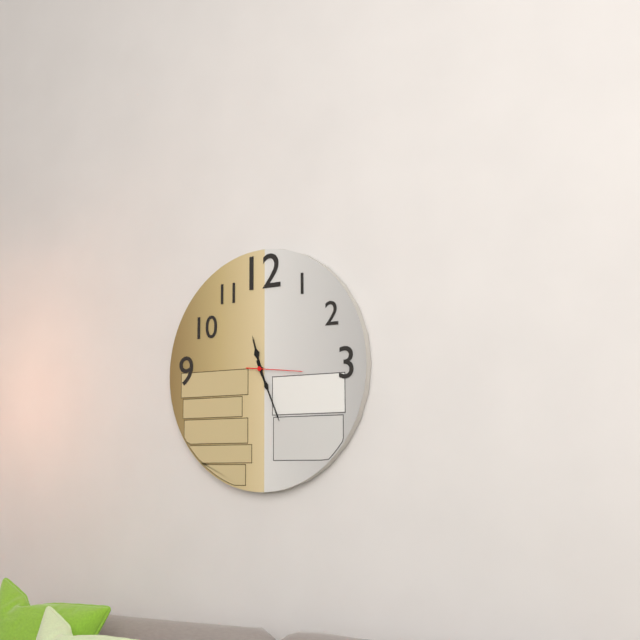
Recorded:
11 h 26 min 16 s
